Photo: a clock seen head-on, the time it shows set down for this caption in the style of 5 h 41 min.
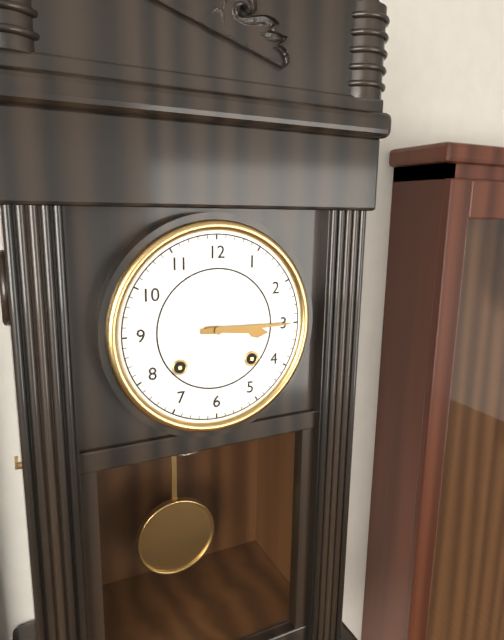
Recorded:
3 h 15 min
